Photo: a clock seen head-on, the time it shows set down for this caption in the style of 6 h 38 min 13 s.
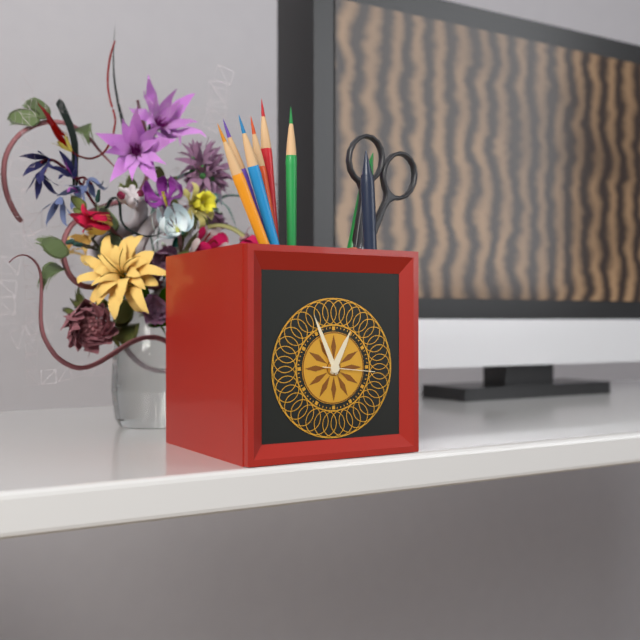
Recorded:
12 h 56 min 16 s
